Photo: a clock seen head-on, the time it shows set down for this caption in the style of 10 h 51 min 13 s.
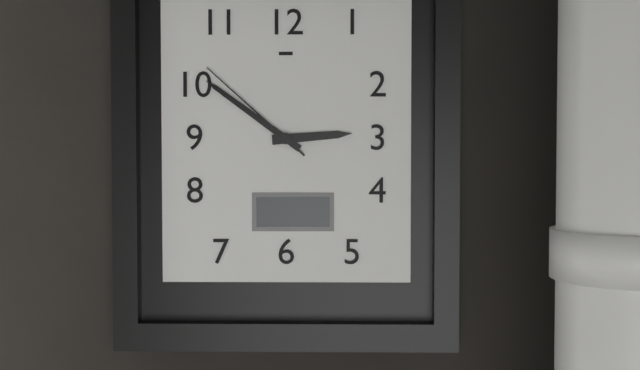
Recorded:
2 h 51 min 52 s
